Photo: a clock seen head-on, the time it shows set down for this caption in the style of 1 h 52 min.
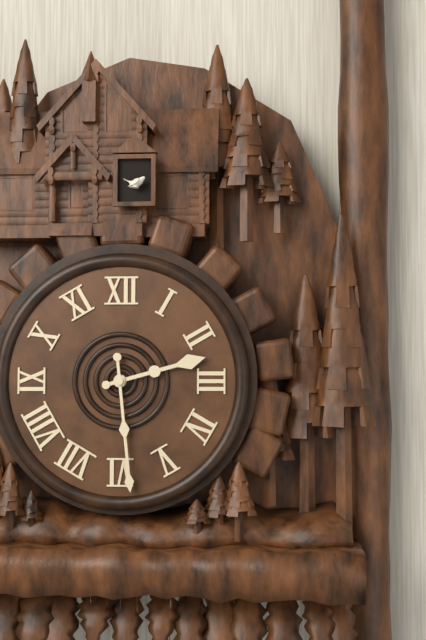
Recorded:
2 h 29 min
